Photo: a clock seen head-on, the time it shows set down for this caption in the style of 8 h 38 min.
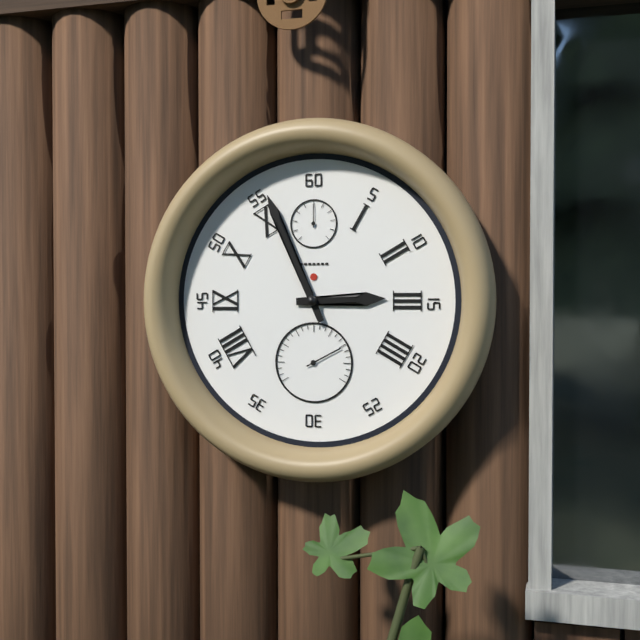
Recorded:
2 h 56 min
